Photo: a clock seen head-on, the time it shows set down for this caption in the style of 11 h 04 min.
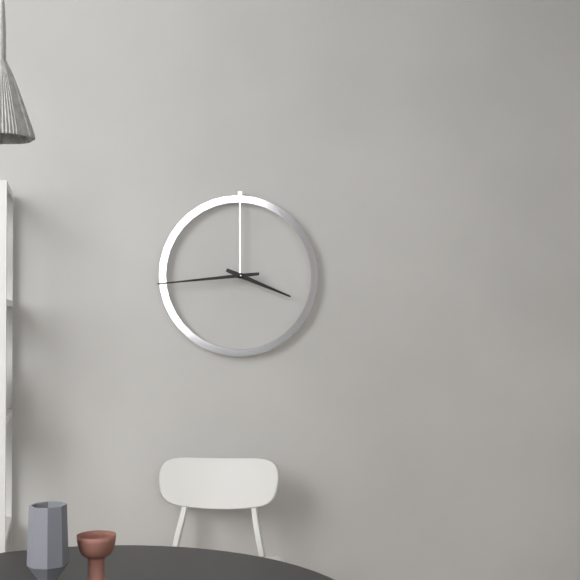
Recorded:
3 h 44 min
